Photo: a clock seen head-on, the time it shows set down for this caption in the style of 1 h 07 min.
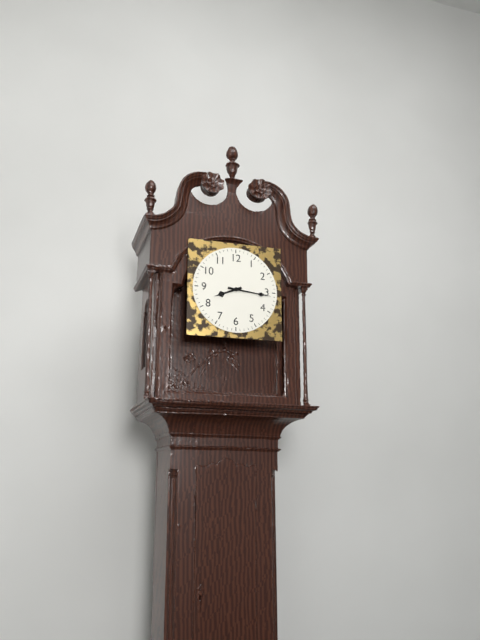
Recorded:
8 h 16 min
